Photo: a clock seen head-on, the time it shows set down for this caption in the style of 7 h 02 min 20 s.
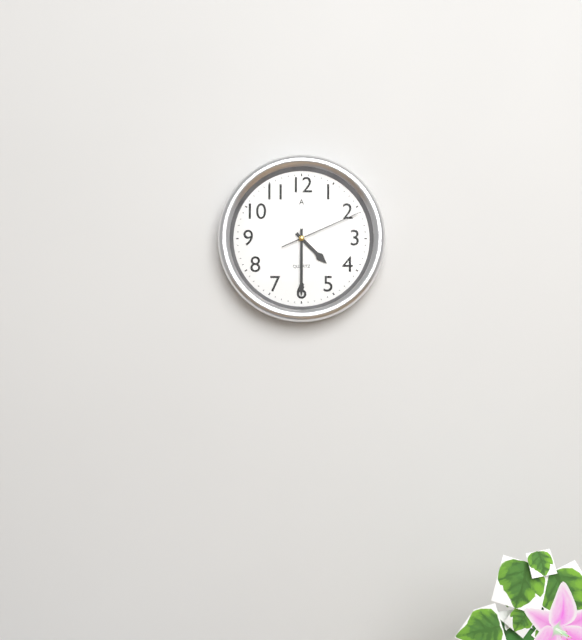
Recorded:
4 h 30 min 11 s
